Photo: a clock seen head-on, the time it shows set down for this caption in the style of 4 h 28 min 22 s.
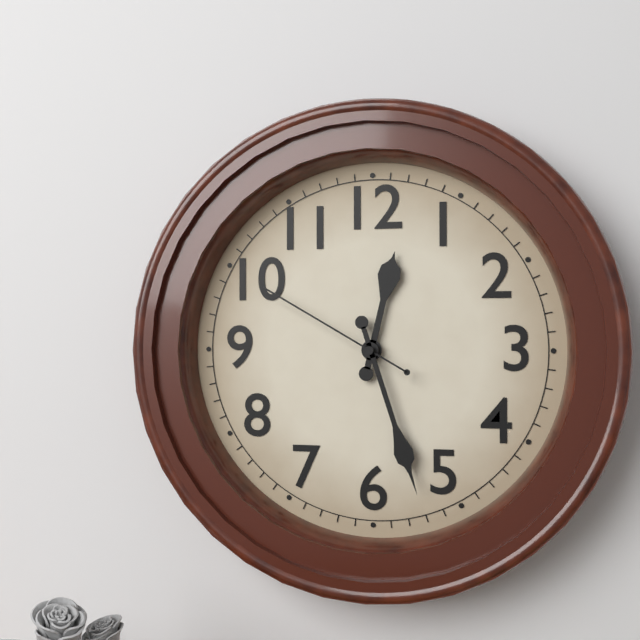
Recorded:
12 h 27 min 50 s
